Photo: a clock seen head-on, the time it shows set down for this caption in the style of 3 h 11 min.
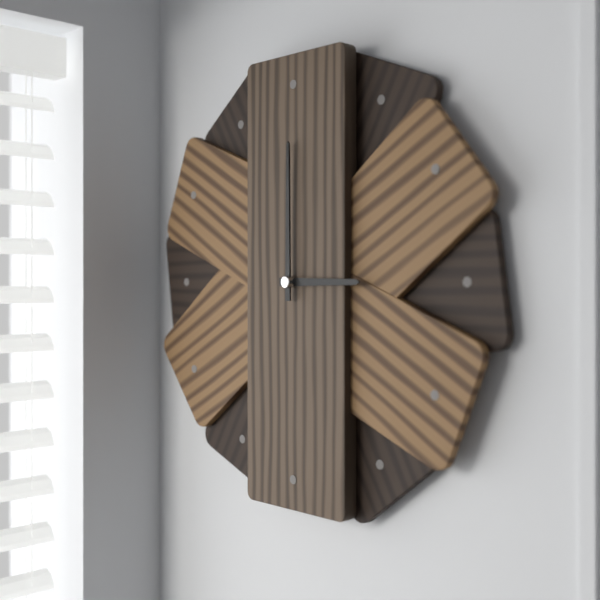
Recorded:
3 h 00 min
